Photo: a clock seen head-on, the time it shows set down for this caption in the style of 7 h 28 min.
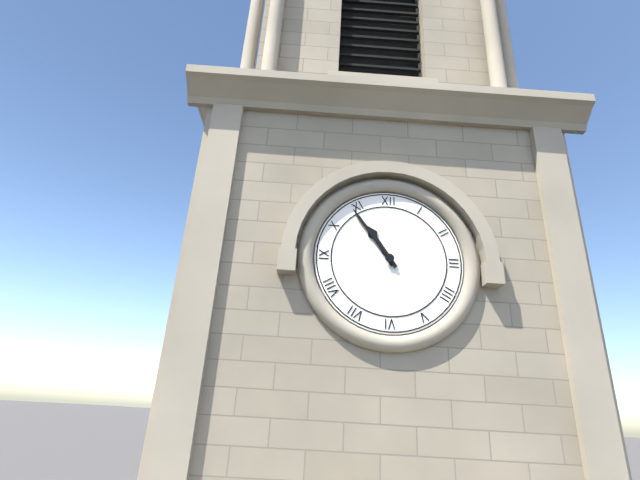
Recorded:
10 h 54 min
